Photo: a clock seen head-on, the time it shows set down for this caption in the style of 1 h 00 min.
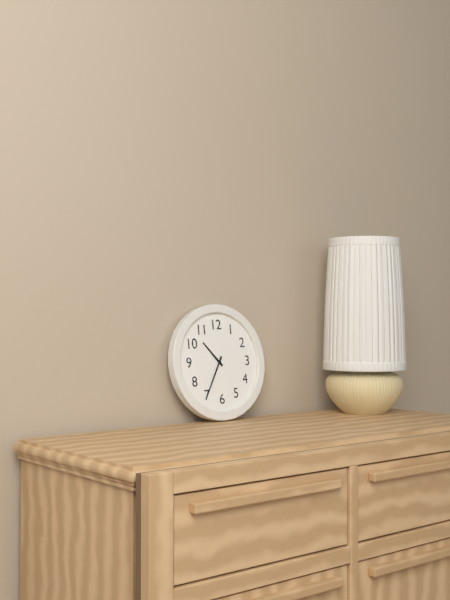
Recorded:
10 h 35 min
